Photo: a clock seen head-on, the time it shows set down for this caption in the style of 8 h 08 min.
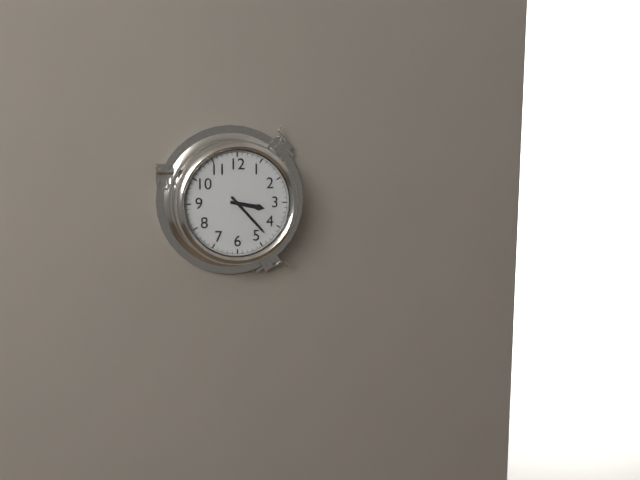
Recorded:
3 h 23 min
